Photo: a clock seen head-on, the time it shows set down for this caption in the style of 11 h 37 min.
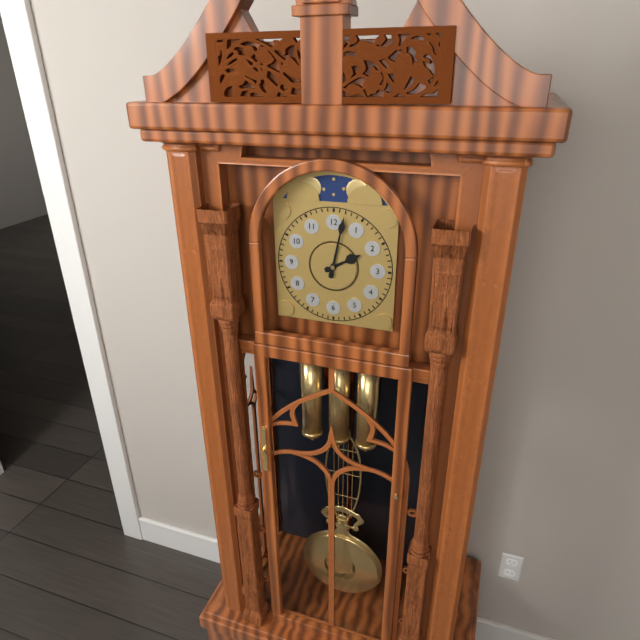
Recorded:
2 h 02 min
